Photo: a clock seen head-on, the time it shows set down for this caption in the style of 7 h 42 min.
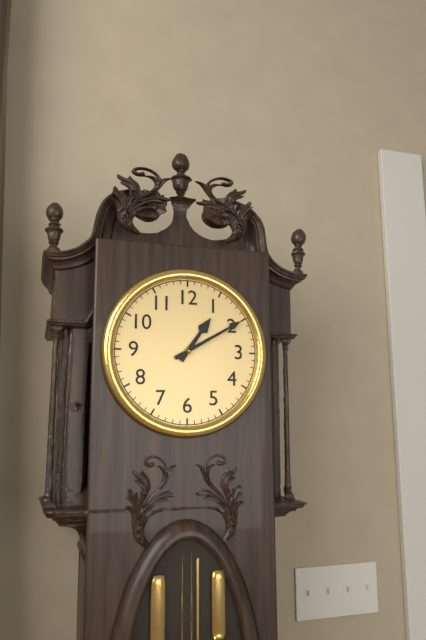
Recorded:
1 h 10 min
